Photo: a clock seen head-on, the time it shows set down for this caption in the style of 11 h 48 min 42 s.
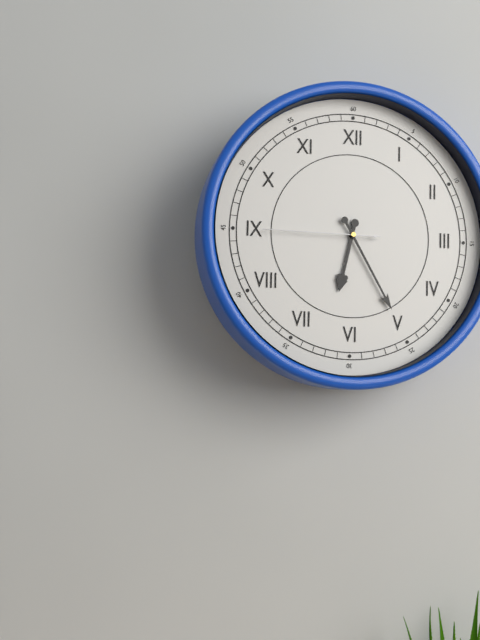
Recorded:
6 h 25 min 45 s
